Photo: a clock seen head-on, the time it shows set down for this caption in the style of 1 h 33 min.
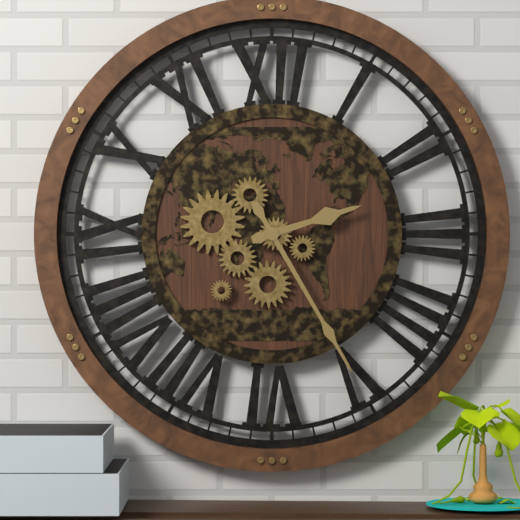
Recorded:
2 h 25 min
